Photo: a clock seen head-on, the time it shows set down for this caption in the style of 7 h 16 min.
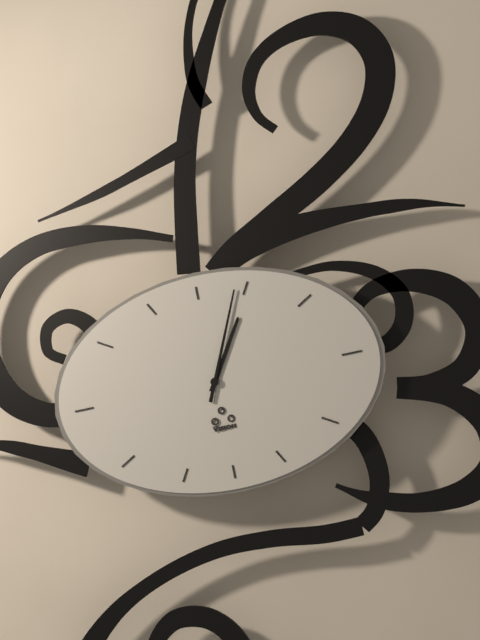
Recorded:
1 h 04 min
